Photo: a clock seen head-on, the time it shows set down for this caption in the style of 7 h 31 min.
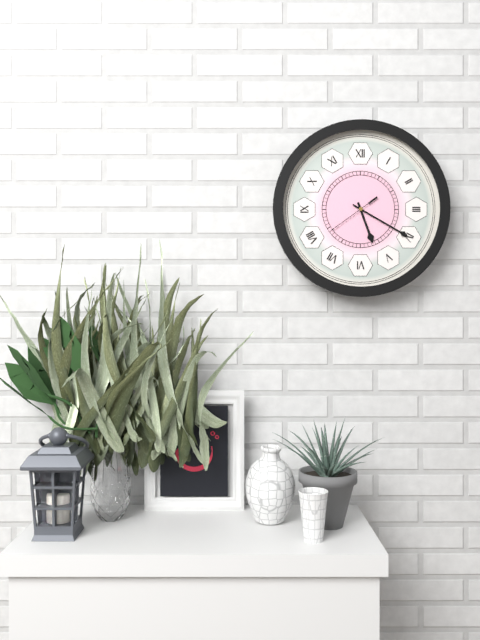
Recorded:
5 h 20 min
